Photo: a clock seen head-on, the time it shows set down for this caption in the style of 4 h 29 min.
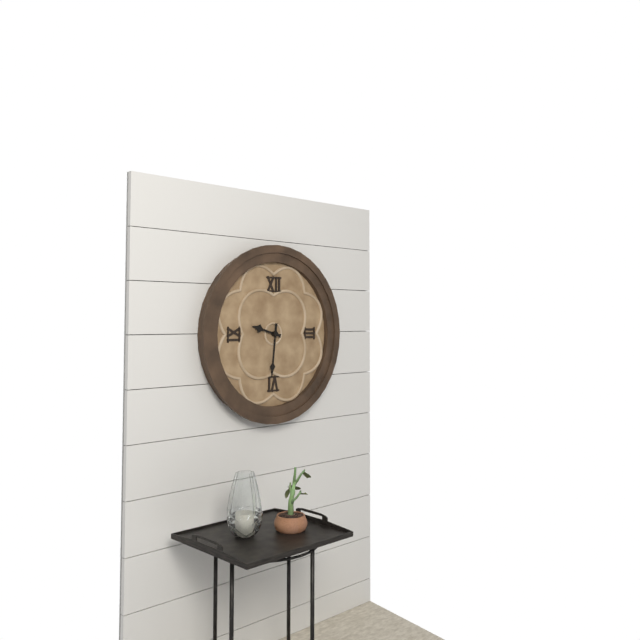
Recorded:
9 h 31 min
